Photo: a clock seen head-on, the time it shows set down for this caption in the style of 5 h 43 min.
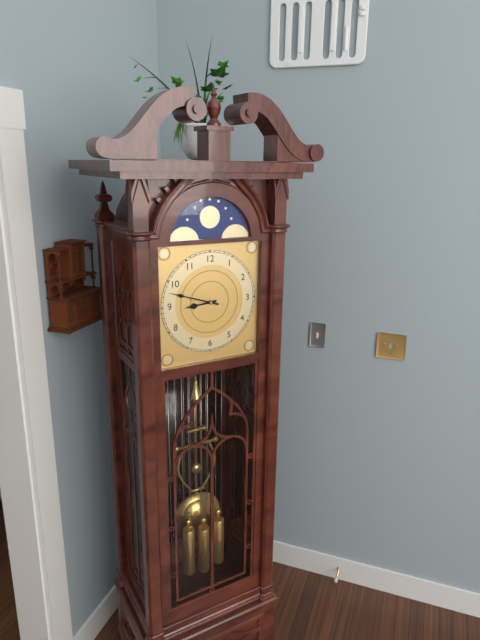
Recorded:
8 h 48 min
